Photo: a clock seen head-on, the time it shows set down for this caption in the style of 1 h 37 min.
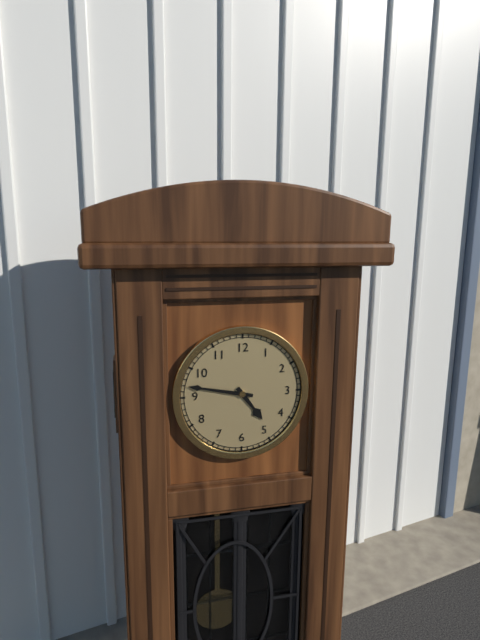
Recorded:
4 h 47 min
